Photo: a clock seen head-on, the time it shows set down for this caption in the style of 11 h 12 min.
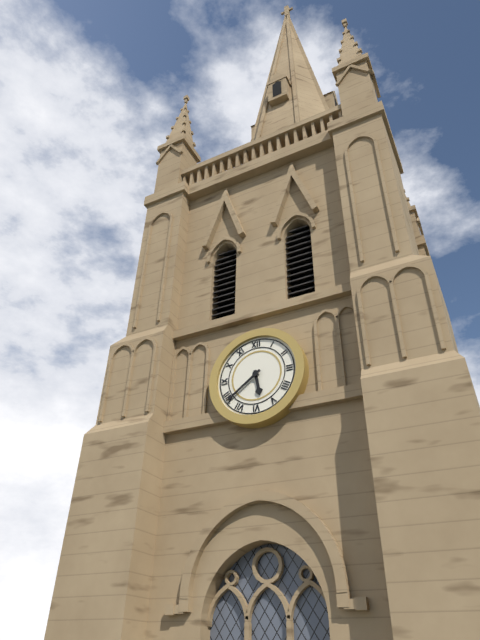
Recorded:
5 h 39 min
